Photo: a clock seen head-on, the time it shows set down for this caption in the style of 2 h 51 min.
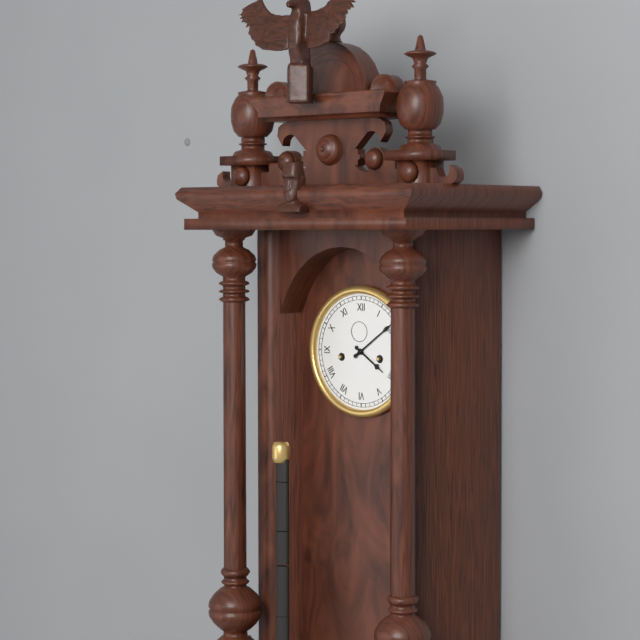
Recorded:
4 h 09 min
